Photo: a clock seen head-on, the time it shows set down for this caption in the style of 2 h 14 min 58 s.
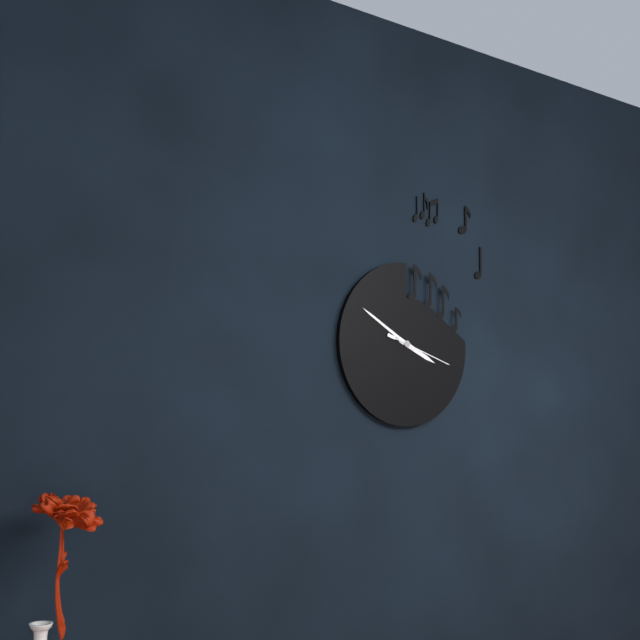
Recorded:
3 h 50 min 18 s
